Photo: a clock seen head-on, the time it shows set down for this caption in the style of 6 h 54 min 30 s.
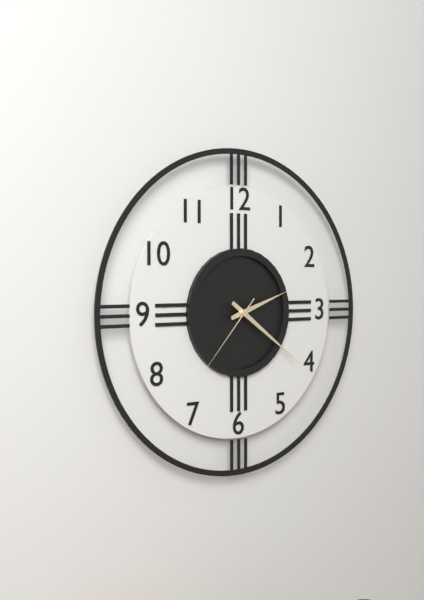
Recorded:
2 h 21 min 37 s
